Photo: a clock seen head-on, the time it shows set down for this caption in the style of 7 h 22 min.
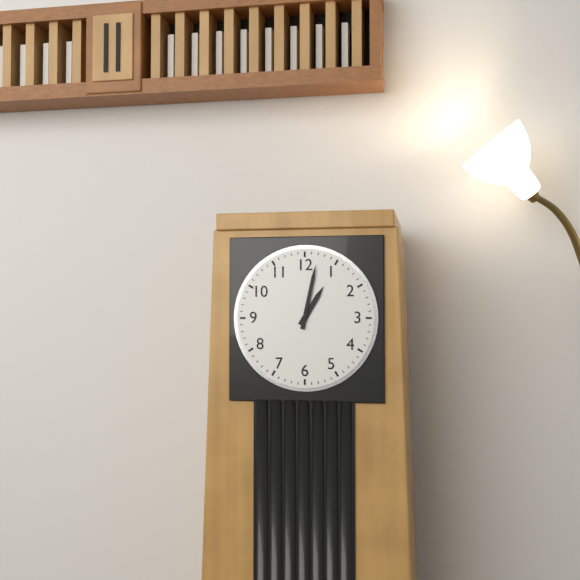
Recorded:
1 h 02 min
